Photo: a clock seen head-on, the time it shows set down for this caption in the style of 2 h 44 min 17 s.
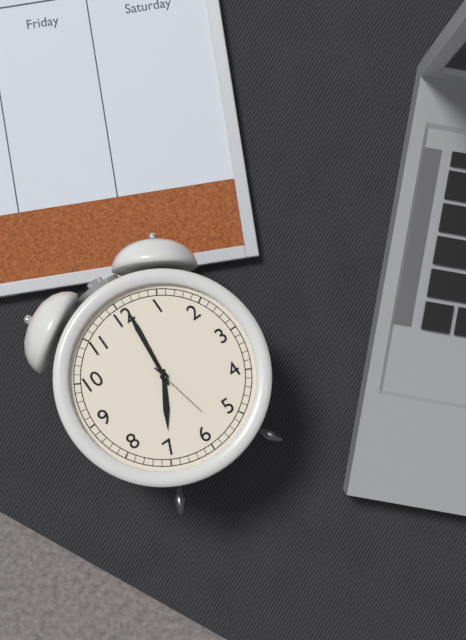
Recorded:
7 h 01 min 28 s
